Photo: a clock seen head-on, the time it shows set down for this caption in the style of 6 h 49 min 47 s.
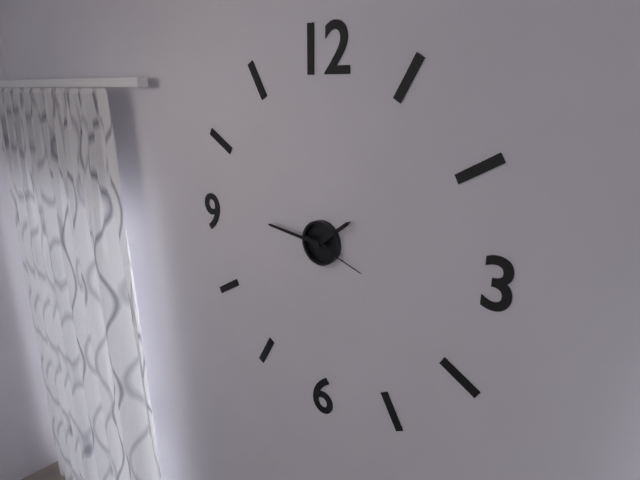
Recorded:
1 h 46 min 18 s
